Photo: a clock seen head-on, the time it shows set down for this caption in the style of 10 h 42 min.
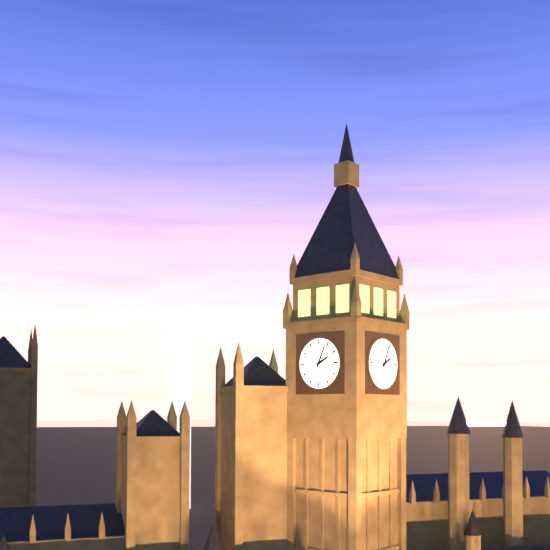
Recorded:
2 h 04 min
